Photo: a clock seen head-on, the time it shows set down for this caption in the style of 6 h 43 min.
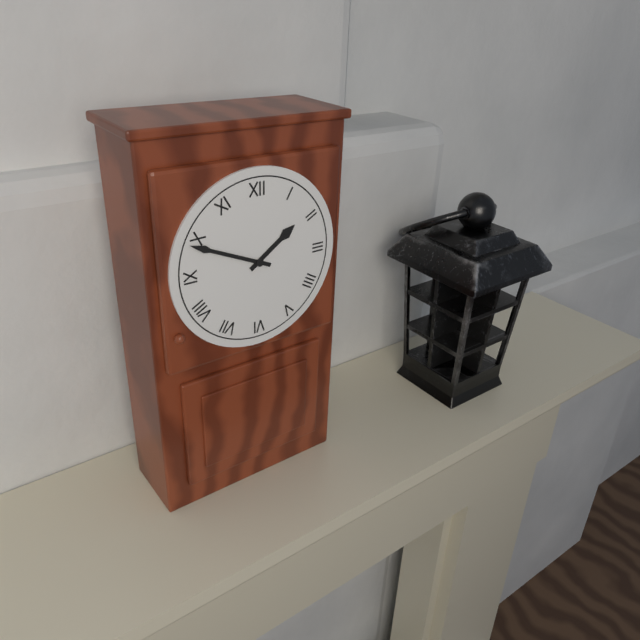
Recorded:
1 h 49 min
